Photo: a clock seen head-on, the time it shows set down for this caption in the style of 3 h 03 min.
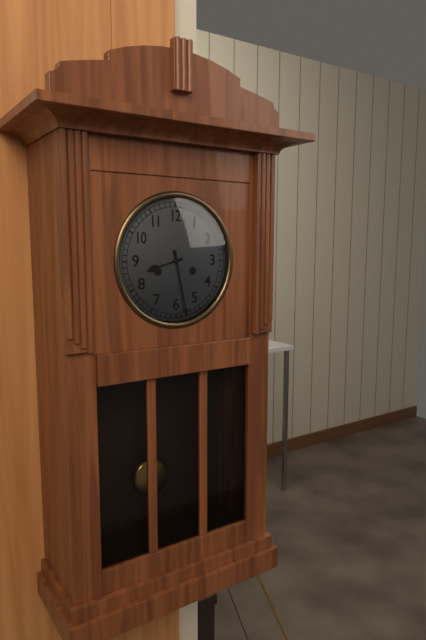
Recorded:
8 h 28 min
